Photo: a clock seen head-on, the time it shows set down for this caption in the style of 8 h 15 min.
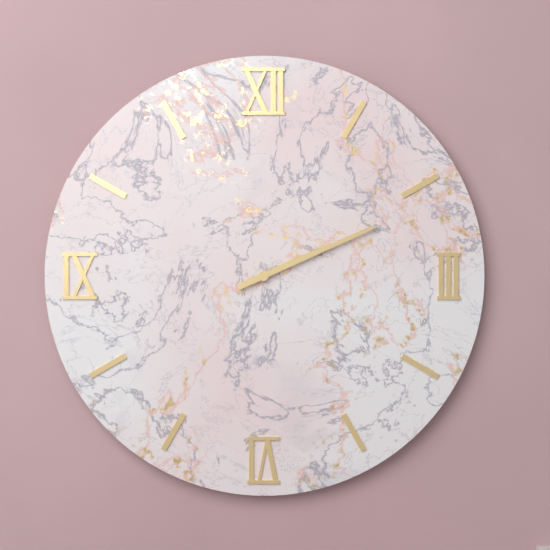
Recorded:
2 h 11 min
